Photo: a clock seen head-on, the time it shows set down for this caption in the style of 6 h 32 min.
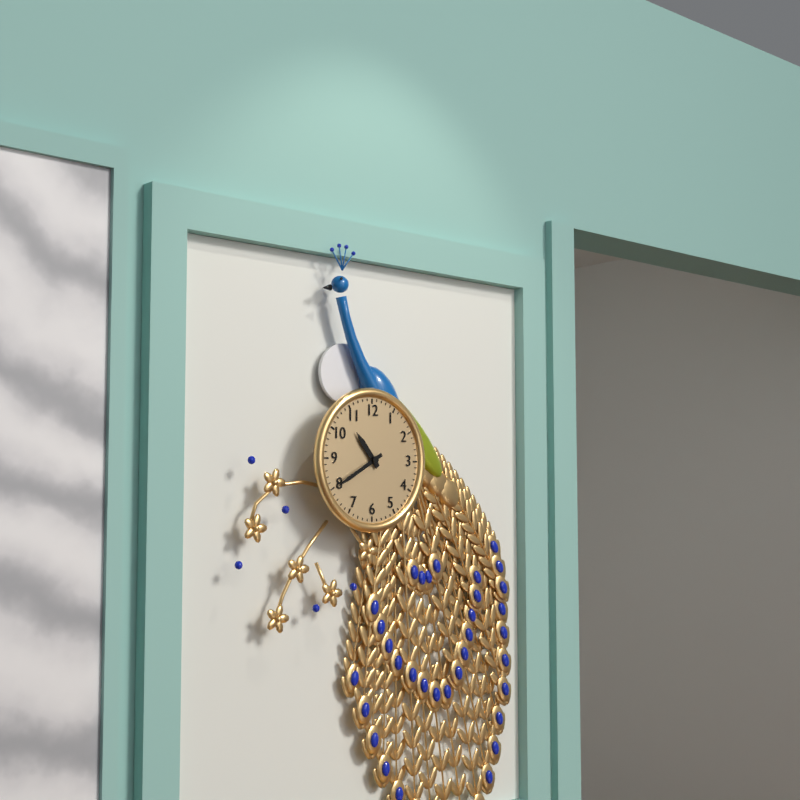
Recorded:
10 h 40 min
